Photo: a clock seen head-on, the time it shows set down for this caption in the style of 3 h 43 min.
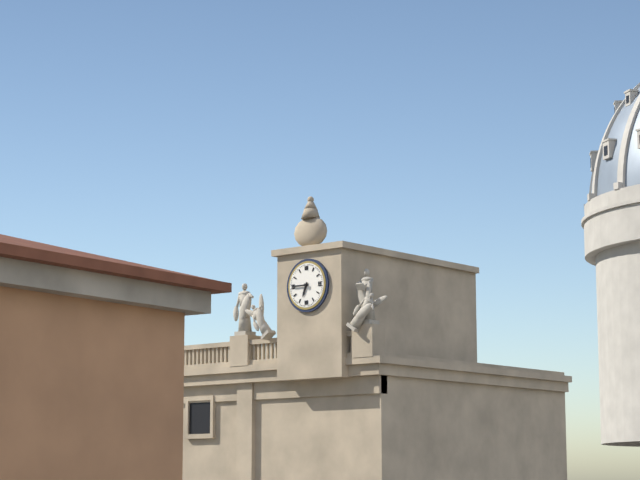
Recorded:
6 h 45 min
